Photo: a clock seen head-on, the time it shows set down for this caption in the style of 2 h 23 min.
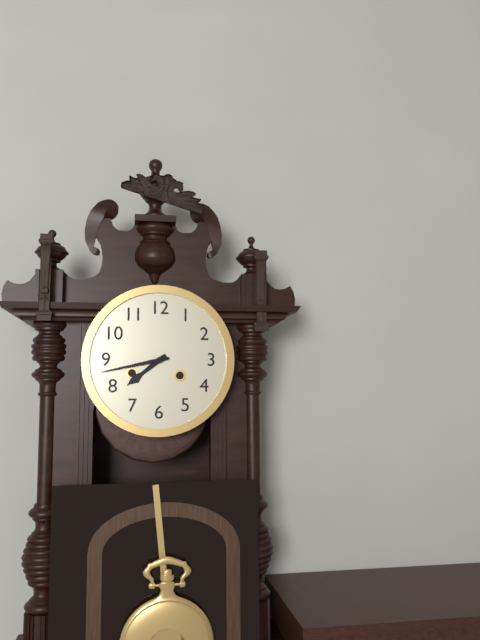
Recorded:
7 h 43 min
